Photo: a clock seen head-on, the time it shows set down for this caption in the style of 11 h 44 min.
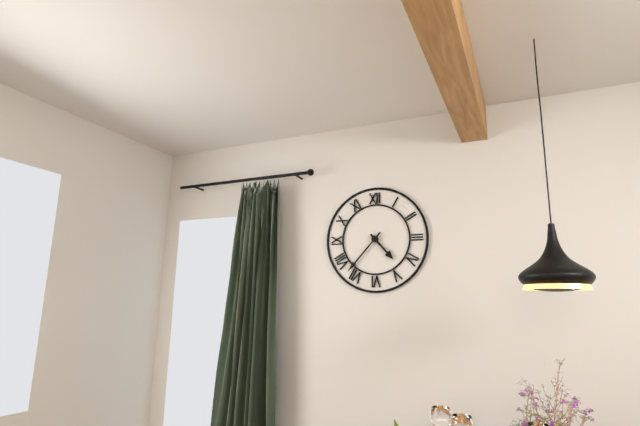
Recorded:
4 h 37 min
